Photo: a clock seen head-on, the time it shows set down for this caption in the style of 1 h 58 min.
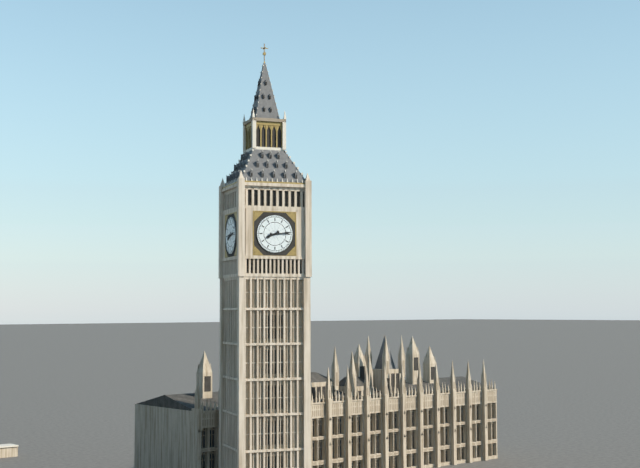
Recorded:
8 h 14 min
